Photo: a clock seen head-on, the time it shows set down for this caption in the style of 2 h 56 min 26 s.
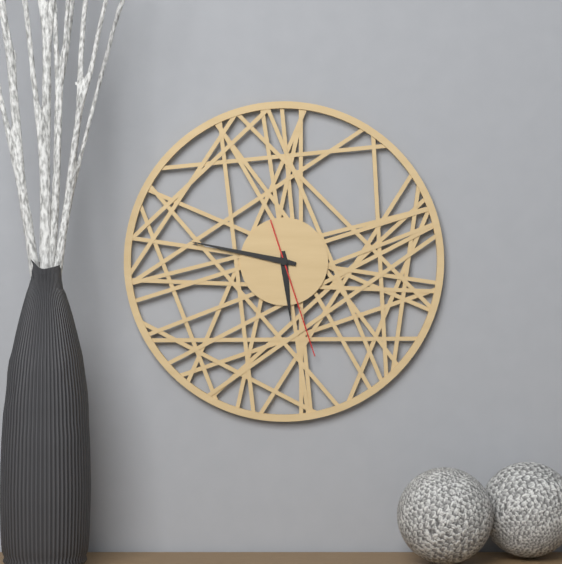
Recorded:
5 h 47 min 27 s
